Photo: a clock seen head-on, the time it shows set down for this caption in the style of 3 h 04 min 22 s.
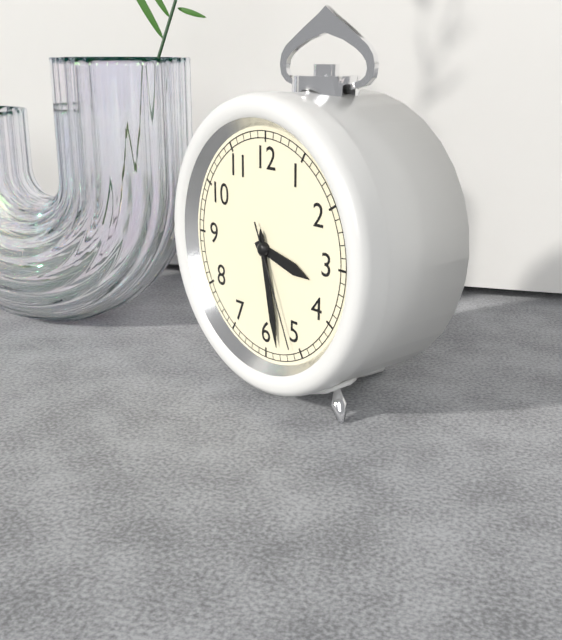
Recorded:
3 h 28 min 26 s
